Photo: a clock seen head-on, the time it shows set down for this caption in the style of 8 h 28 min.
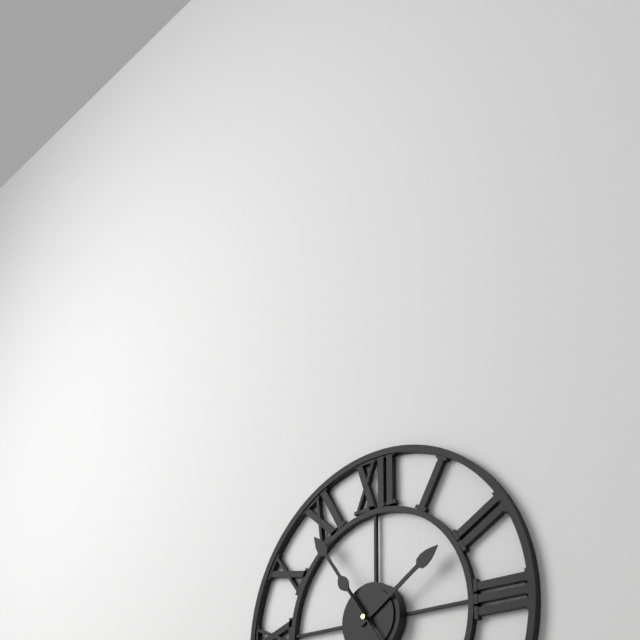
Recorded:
1 h 54 min
